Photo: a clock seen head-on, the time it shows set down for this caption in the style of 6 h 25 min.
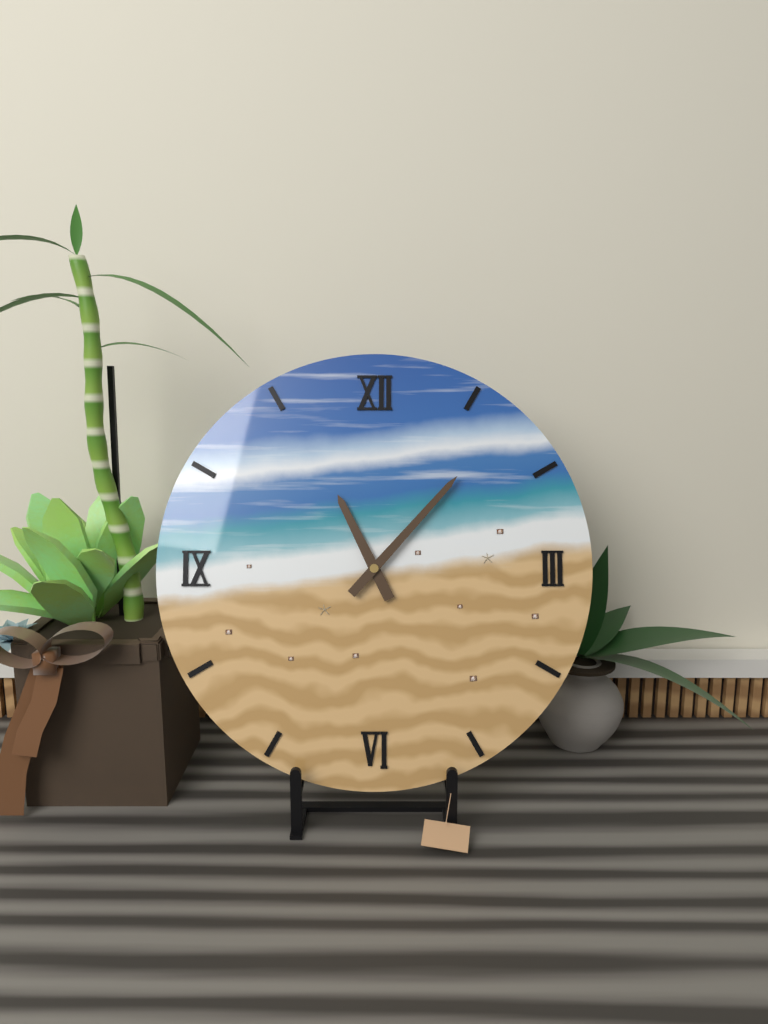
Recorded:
11 h 07 min
